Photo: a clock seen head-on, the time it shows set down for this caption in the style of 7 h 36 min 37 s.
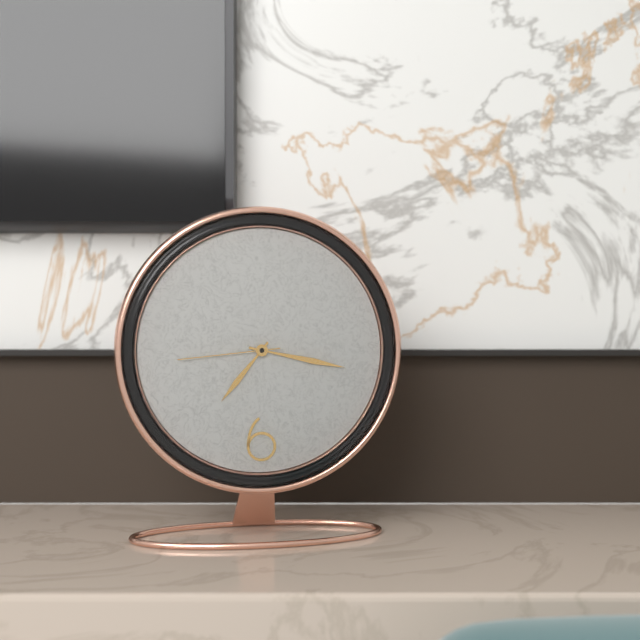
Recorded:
7 h 17 min 44 s
